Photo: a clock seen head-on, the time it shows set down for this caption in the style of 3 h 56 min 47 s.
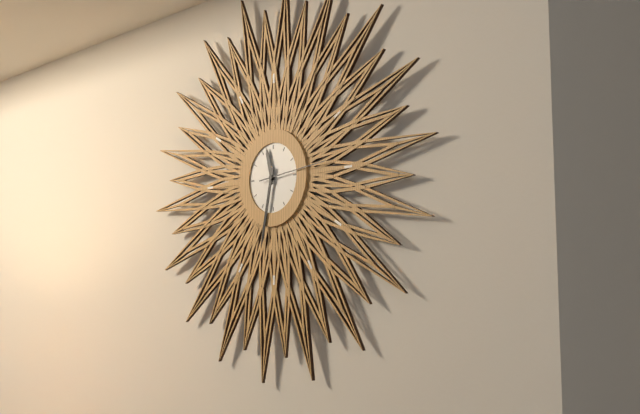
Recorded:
11 h 32 min 14 s
